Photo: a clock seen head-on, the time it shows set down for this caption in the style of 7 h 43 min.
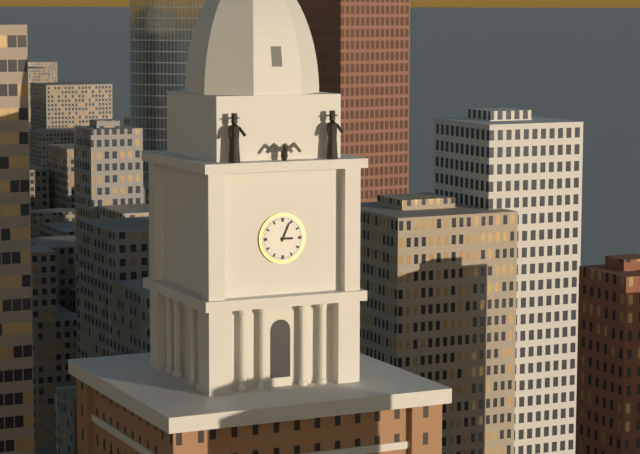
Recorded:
3 h 04 min
